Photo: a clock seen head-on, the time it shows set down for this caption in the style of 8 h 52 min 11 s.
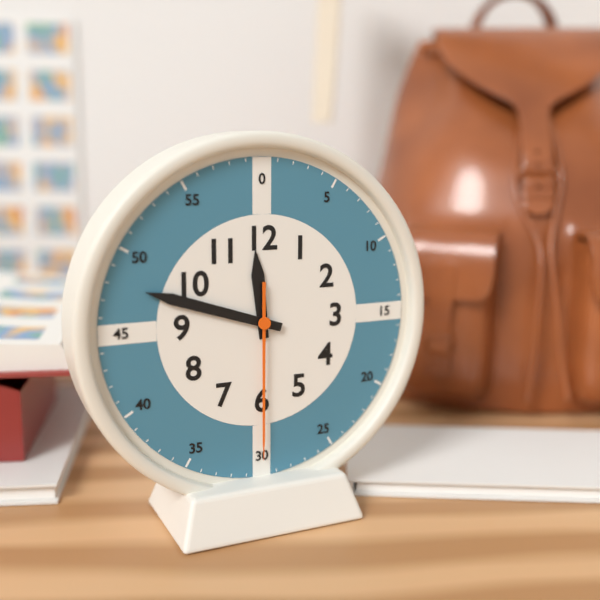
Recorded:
11 h 48 min 30 s
